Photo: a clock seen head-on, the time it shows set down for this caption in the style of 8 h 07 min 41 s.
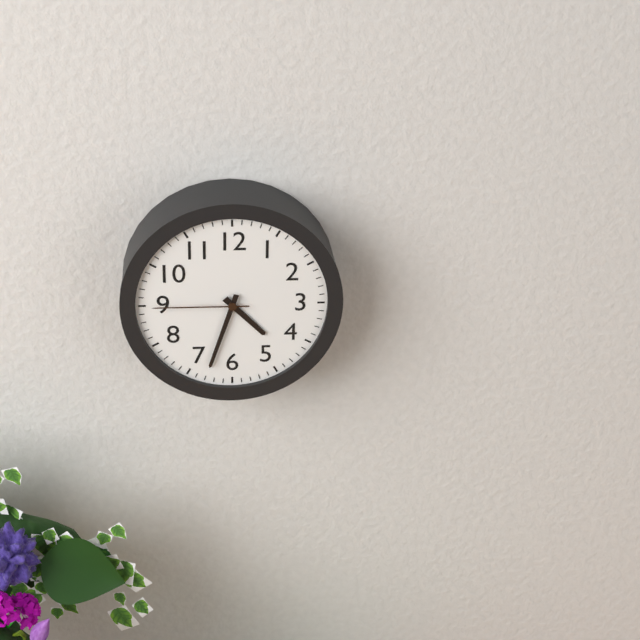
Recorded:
4 h 33 min 45 s
